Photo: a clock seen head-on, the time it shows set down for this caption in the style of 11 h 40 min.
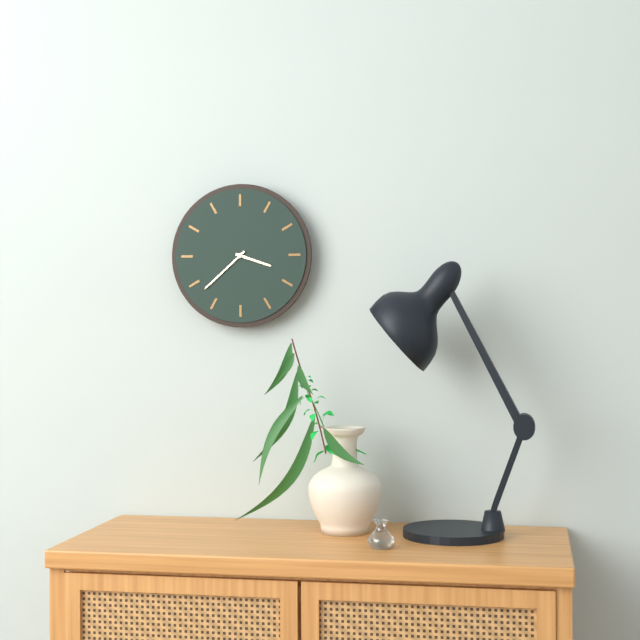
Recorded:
3 h 38 min
